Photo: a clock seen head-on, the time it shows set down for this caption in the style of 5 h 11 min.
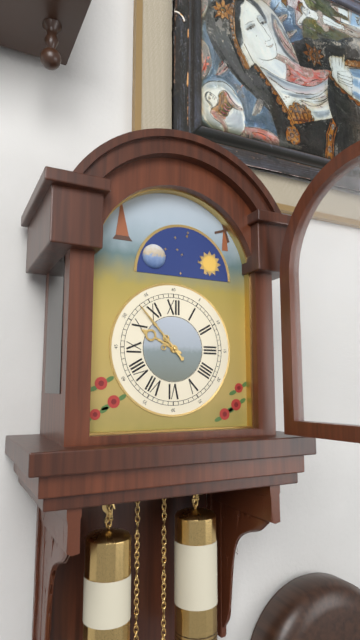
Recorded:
9 h 53 min
